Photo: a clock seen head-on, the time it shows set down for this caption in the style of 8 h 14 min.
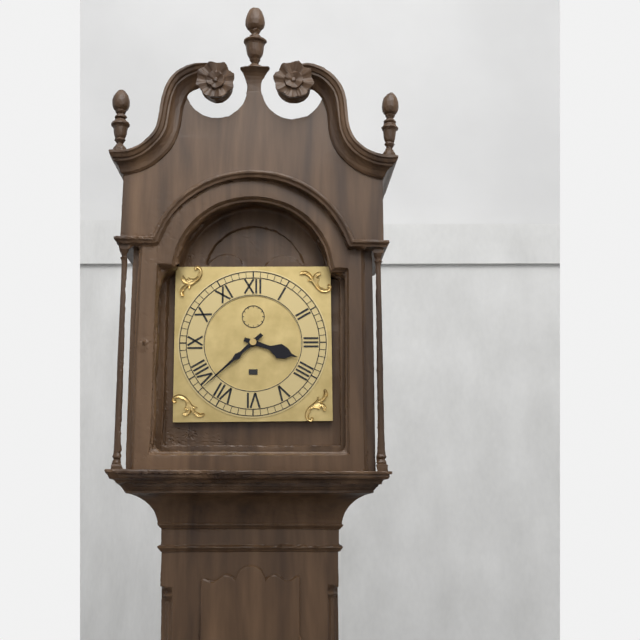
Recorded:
3 h 38 min
